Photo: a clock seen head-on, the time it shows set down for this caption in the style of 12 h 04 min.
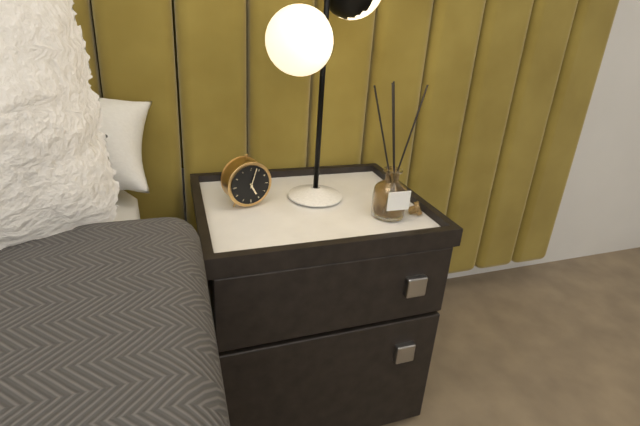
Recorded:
5 h 03 min
